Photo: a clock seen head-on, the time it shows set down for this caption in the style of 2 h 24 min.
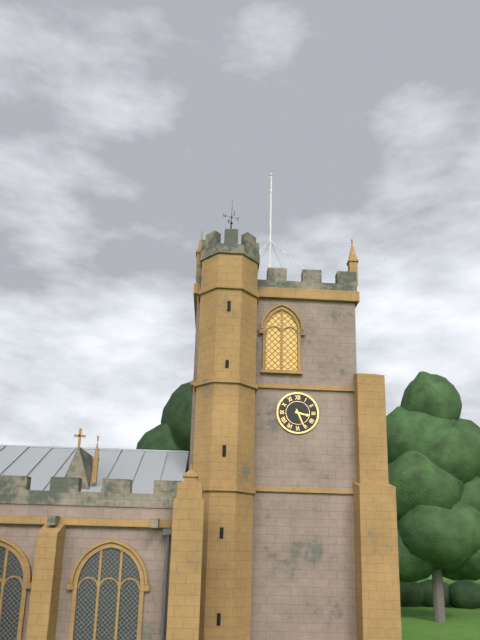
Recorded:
3 h 26 min
